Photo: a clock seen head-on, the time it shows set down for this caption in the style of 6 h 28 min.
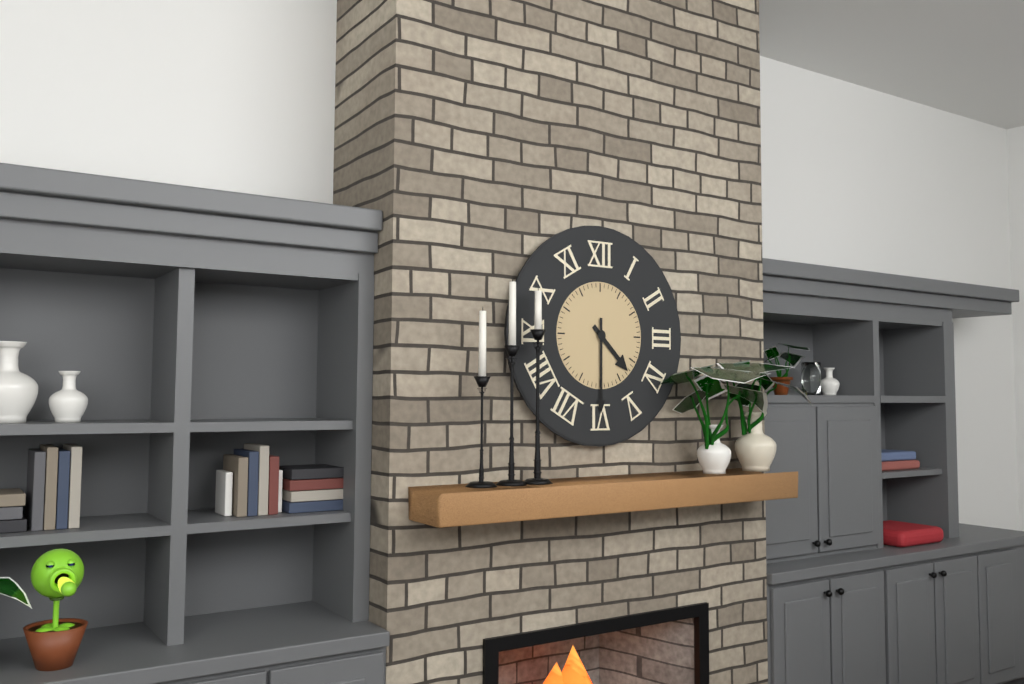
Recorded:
4 h 30 min
